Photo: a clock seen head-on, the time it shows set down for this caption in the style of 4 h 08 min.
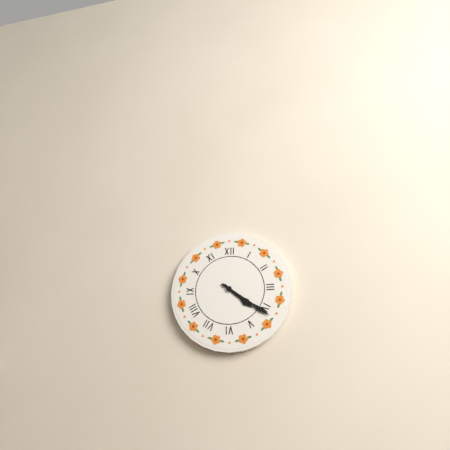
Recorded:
4 h 21 min
